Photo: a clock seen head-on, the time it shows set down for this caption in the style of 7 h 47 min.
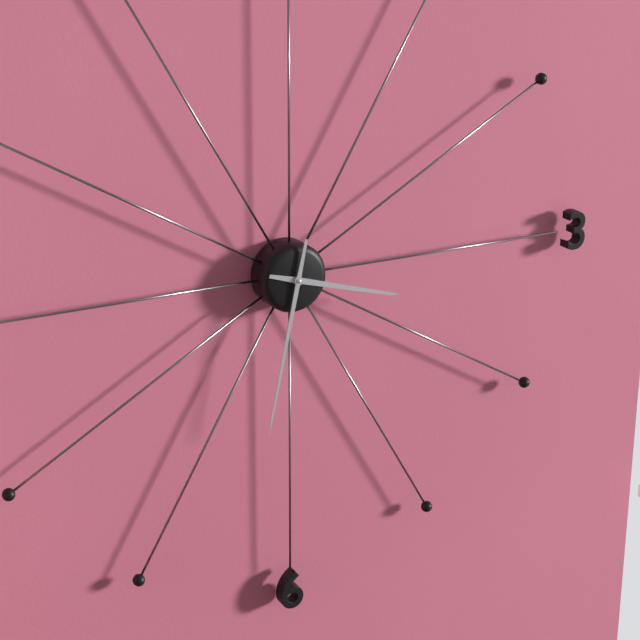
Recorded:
3 h 32 min
